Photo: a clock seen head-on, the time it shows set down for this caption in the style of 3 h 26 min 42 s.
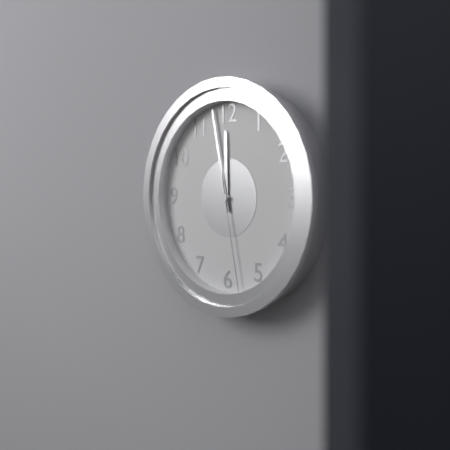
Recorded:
11 h 58 min 28 s
